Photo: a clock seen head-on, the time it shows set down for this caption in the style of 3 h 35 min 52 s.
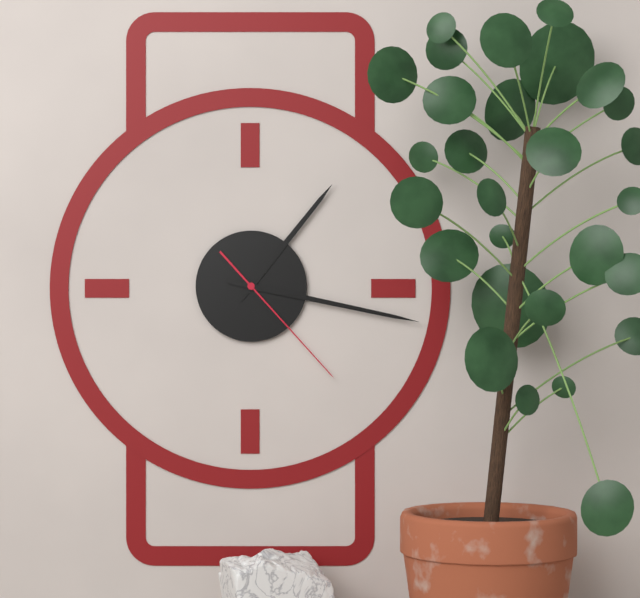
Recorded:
1 h 17 min 23 s
